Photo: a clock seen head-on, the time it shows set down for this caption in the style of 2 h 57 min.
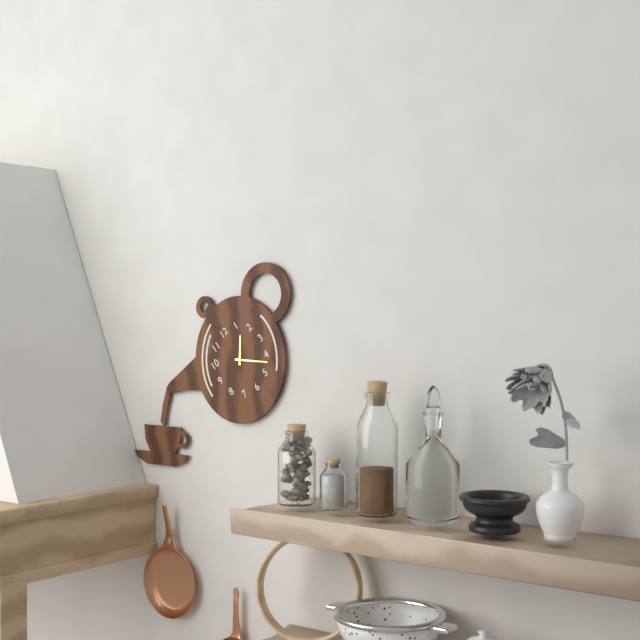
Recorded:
1 h 22 min
